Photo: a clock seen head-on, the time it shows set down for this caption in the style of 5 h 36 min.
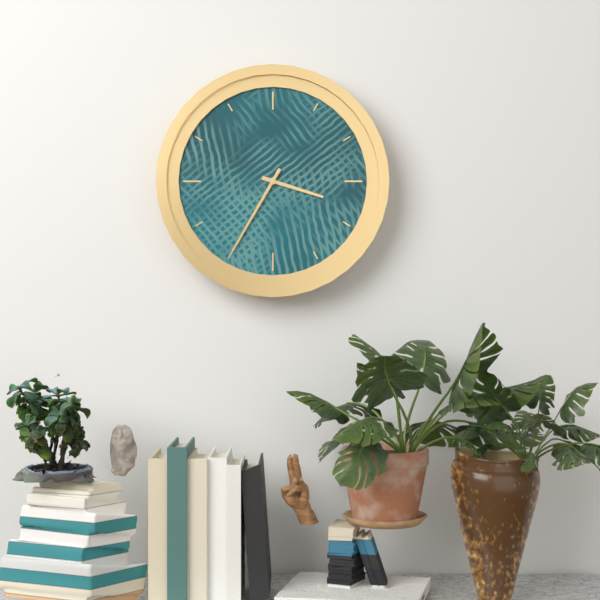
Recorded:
3 h 35 min
